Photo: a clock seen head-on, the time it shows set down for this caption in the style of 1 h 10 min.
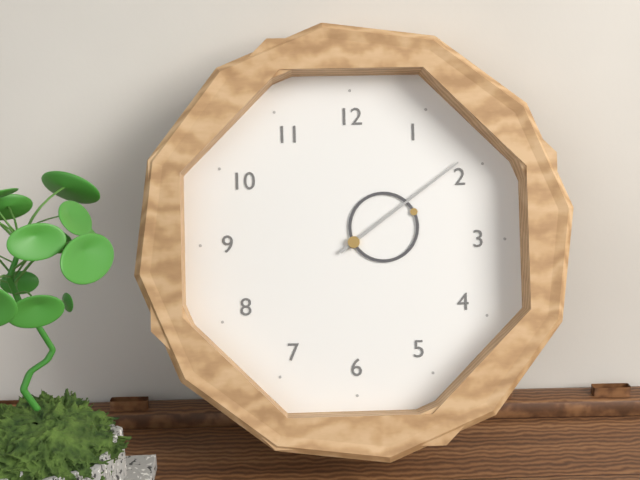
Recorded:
2 h 09 min
